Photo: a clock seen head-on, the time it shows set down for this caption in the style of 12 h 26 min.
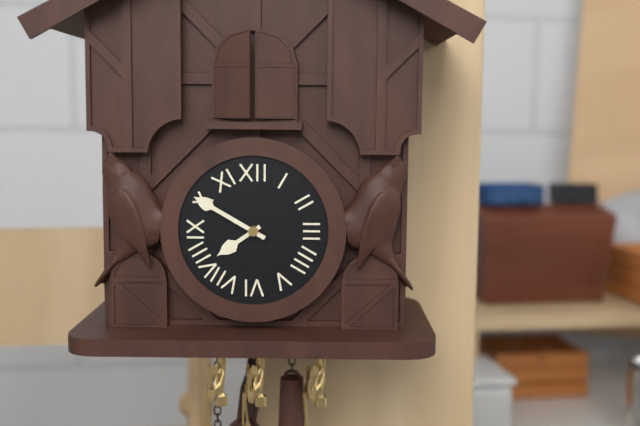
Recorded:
7 h 50 min
